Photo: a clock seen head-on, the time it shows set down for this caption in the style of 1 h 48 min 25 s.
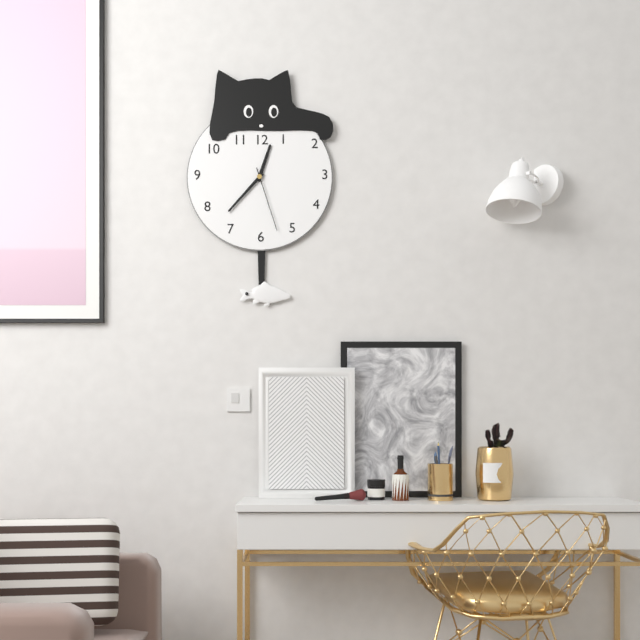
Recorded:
12 h 37 min 27 s
